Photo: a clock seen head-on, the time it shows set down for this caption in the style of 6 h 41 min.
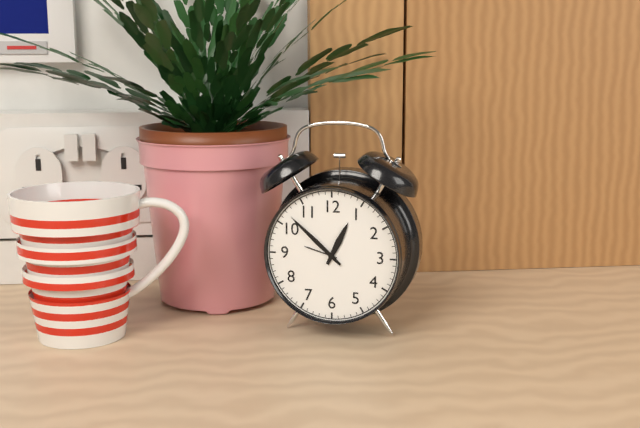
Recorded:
12 h 52 min
